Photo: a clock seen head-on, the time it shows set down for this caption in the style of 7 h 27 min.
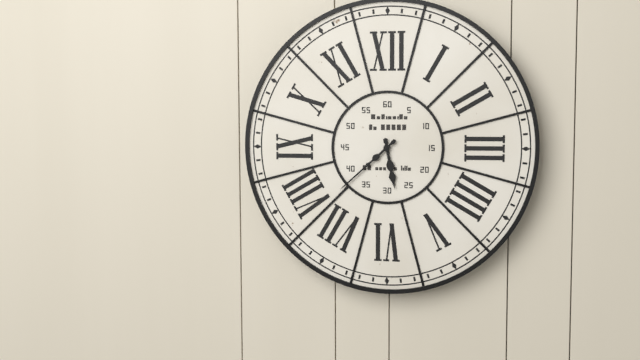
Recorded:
5 h 38 min
